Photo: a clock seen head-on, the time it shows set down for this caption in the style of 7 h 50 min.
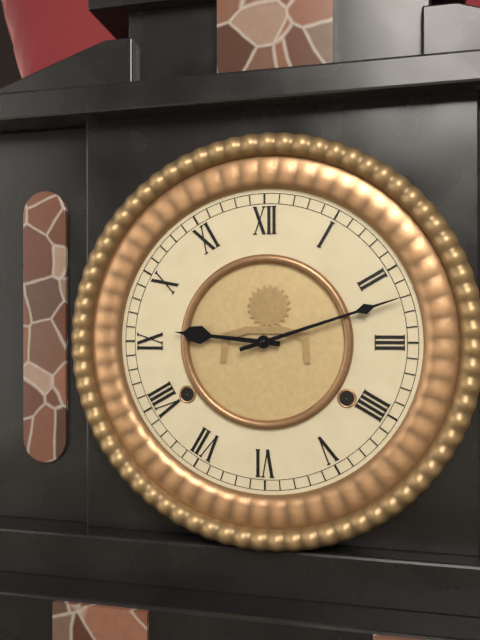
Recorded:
9 h 12 min
